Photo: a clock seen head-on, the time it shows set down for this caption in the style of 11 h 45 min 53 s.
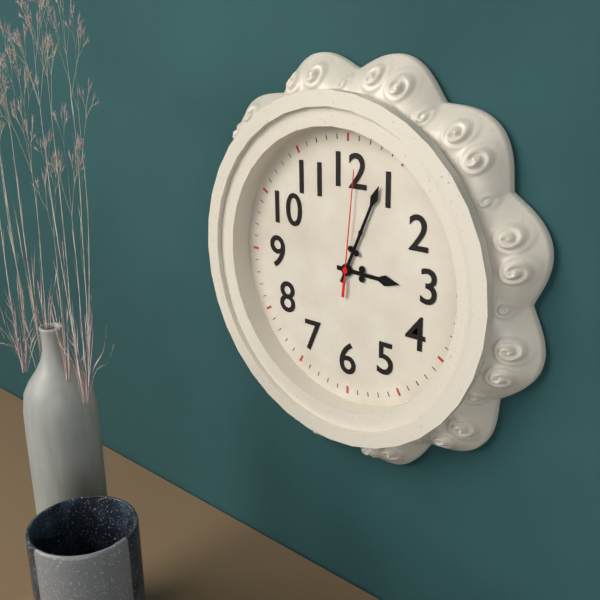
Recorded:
3 h 04 min 01 s
